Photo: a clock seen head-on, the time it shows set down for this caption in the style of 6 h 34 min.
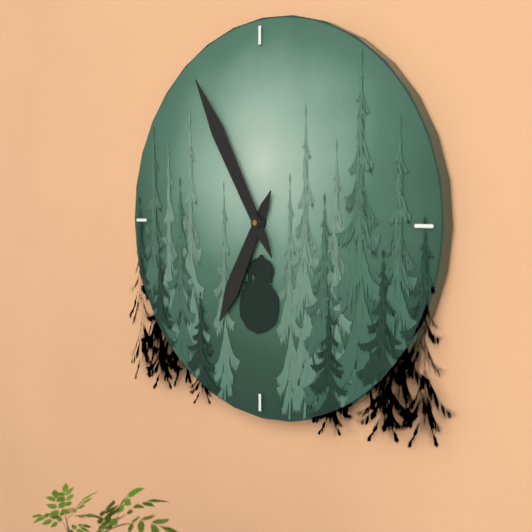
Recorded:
6 h 55 min
